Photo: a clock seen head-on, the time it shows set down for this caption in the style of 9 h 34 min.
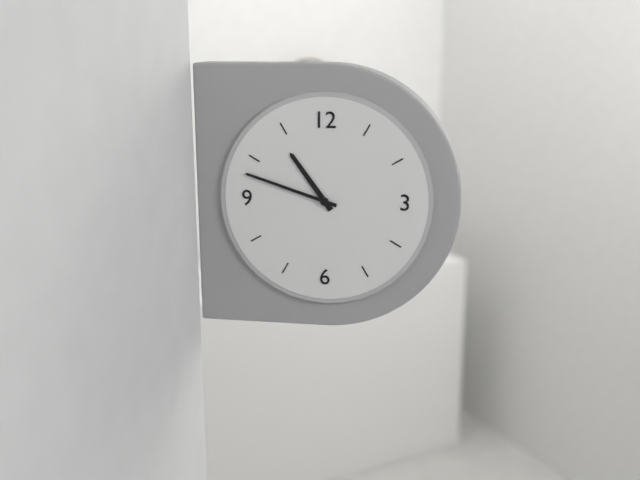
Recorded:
10 h 48 min
